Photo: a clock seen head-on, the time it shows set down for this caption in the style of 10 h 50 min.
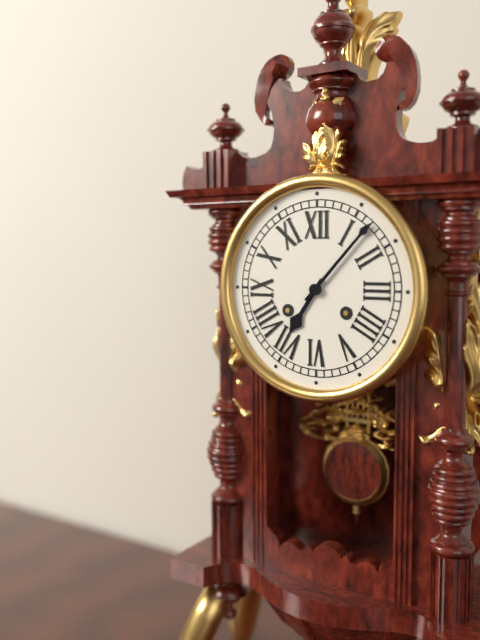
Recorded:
7 h 07 min
